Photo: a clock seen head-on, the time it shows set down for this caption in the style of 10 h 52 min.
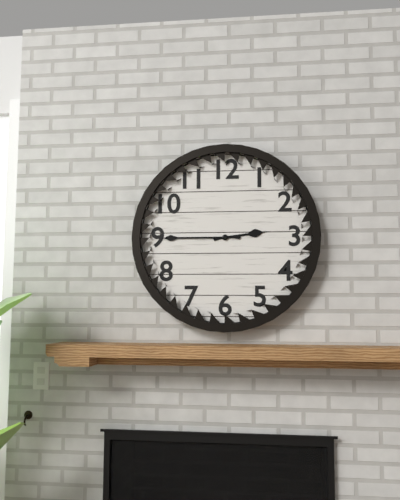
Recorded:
2 h 45 min
